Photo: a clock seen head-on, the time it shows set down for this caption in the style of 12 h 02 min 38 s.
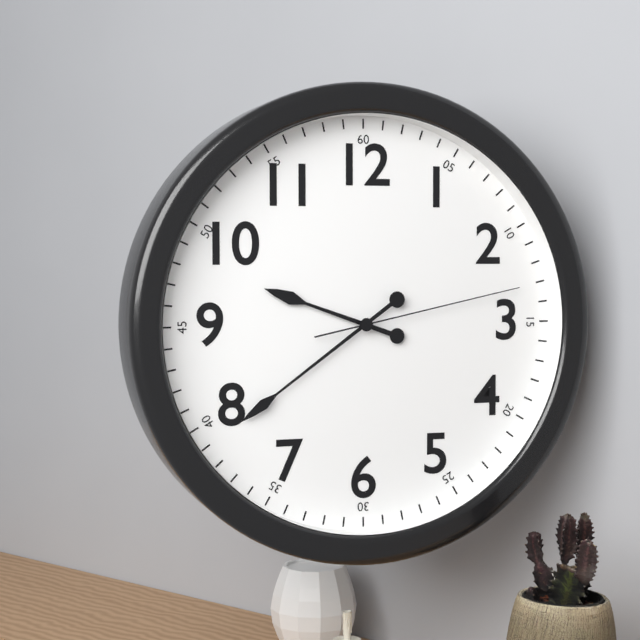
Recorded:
9 h 39 min 13 s
